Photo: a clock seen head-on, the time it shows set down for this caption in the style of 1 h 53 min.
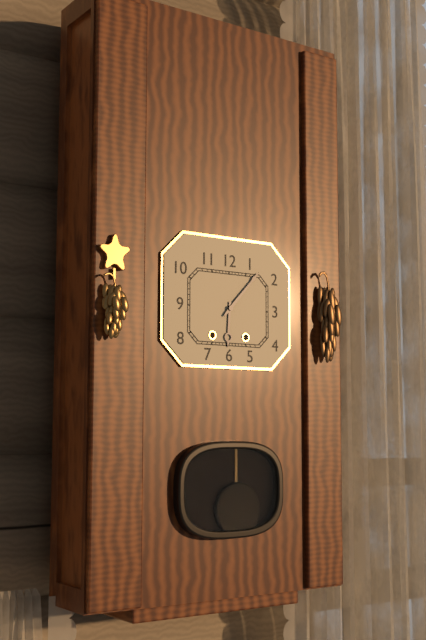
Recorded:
6 h 07 min
